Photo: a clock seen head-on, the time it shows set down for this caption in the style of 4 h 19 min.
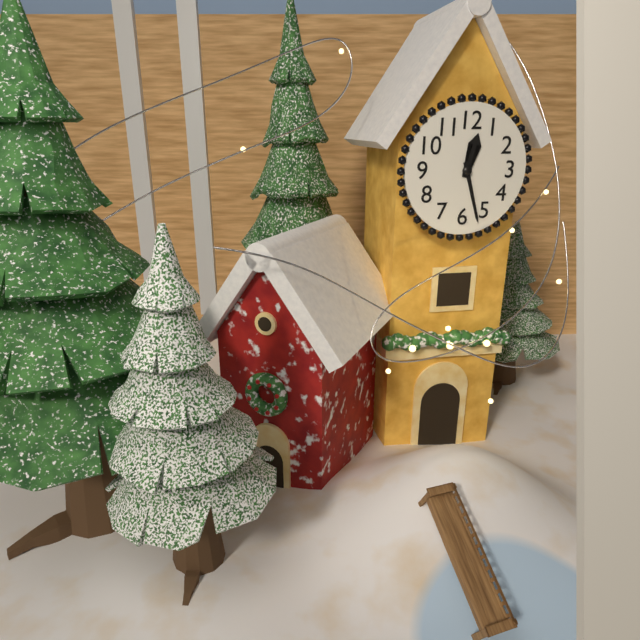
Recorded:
12 h 27 min
